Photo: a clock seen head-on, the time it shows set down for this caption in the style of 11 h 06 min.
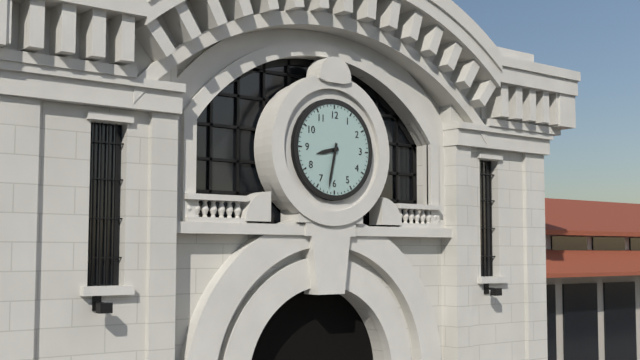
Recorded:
8 h 32 min
